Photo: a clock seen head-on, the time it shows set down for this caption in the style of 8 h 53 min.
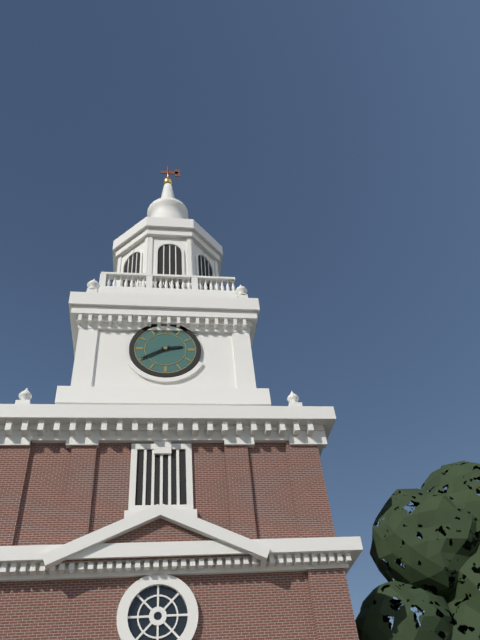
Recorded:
2 h 40 min
